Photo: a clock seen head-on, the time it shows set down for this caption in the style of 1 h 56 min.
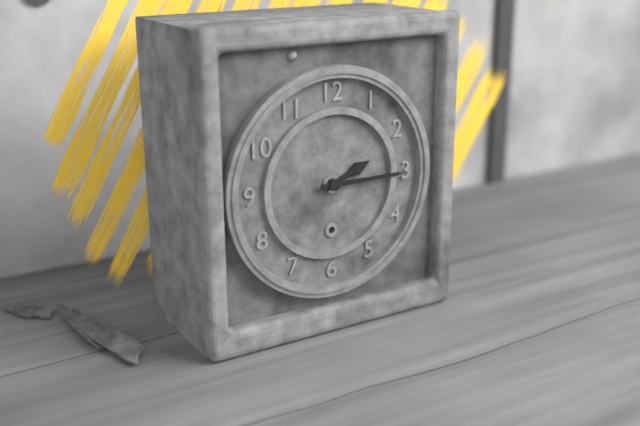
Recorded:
2 h 15 min
